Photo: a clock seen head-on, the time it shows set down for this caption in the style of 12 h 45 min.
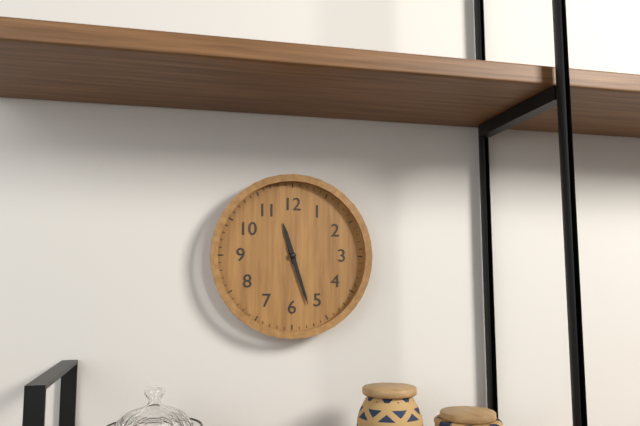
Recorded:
11 h 27 min
